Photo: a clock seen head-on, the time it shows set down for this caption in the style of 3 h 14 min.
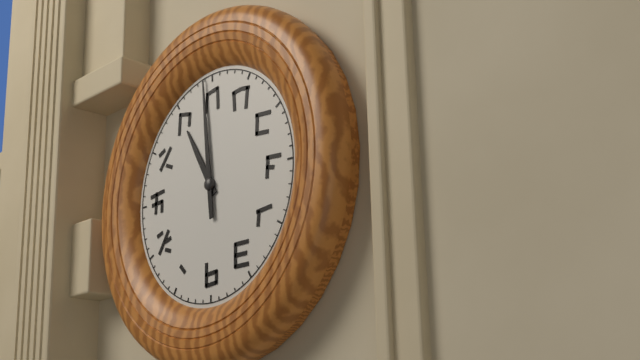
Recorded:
10 h 59 min
